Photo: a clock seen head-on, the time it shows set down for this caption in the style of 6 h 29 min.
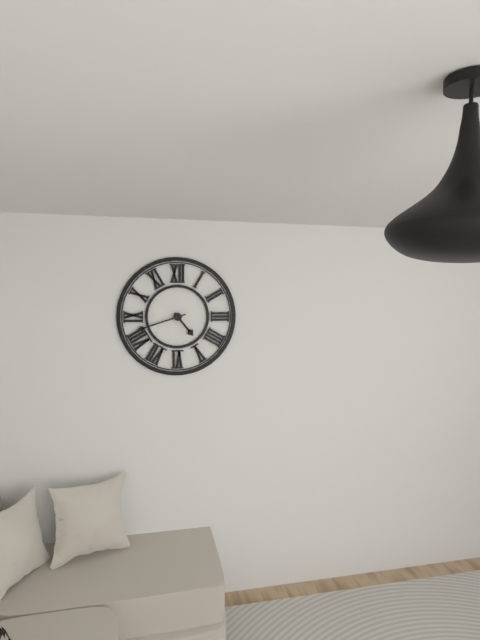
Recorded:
4 h 42 min
